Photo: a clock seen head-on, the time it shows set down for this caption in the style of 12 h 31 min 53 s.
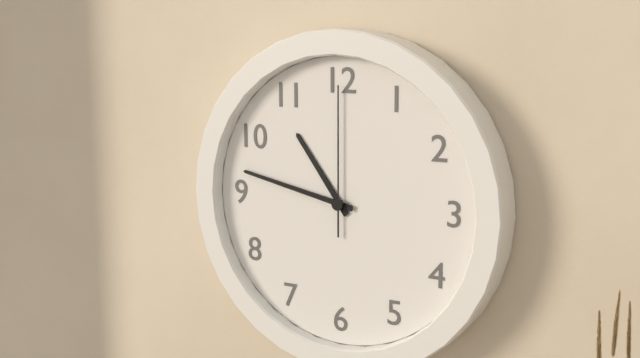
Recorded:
10 h 47 min 00 s
